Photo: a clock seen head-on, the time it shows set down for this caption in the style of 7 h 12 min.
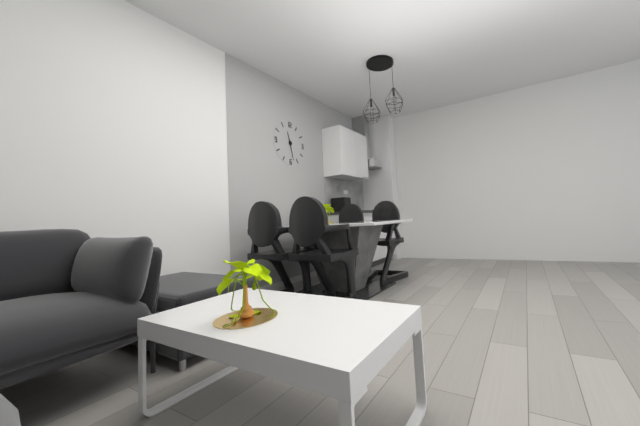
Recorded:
11 h 28 min
